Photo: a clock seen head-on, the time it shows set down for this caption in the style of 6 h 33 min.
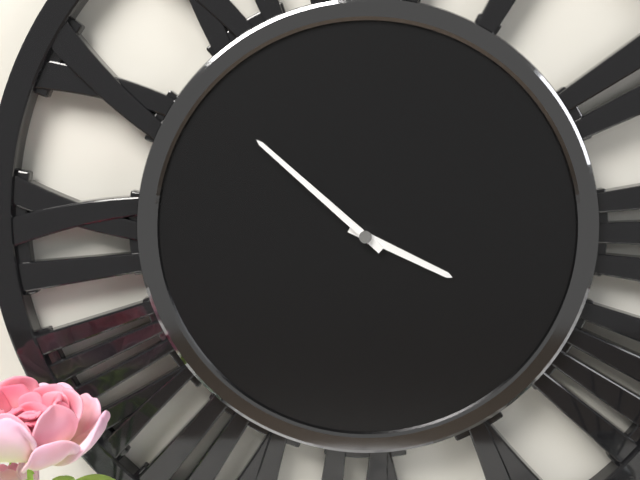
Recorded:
3 h 52 min
